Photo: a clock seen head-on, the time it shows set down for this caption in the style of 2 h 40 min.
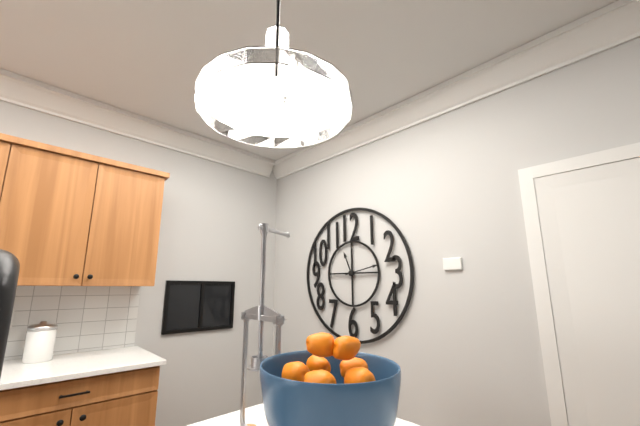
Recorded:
11 h 13 min
